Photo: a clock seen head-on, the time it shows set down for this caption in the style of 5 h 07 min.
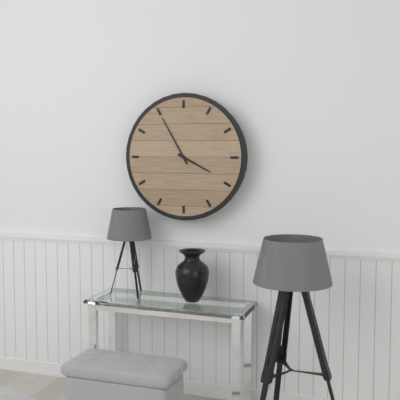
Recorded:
3 h 55 min
